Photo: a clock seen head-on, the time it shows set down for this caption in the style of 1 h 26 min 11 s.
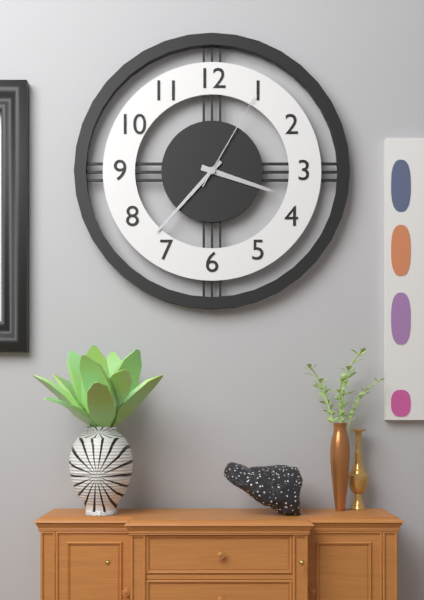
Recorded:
3 h 37 min 05 s
